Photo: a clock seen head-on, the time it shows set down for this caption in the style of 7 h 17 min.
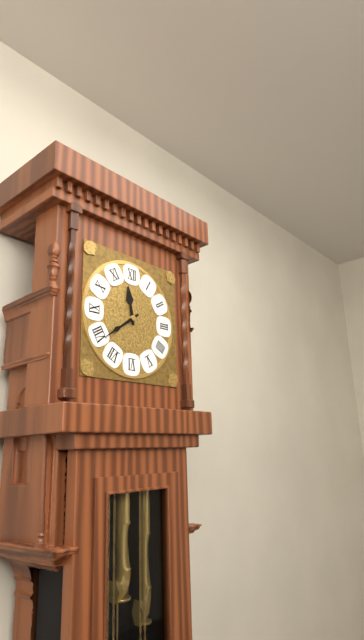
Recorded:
11 h 39 min
